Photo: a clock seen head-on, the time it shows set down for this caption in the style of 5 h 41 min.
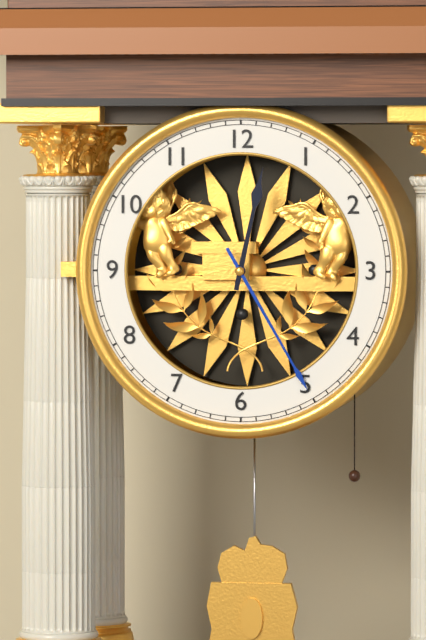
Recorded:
12 h 25 min
